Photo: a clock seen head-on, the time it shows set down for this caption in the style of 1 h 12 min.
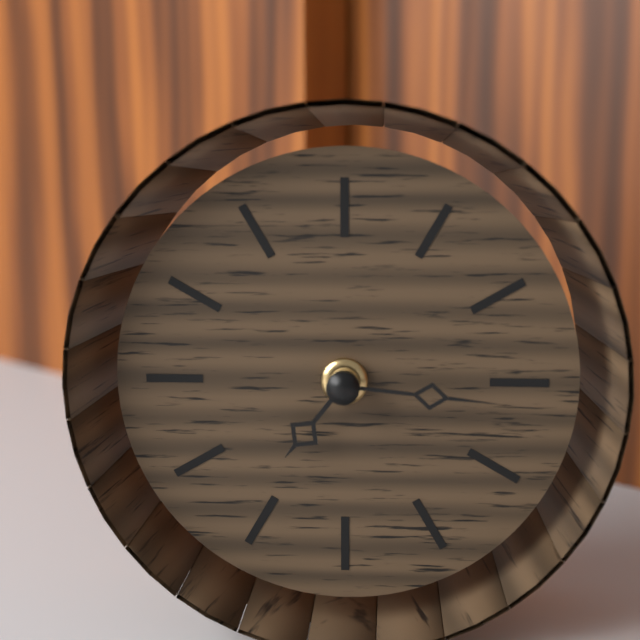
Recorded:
7 h 16 min
